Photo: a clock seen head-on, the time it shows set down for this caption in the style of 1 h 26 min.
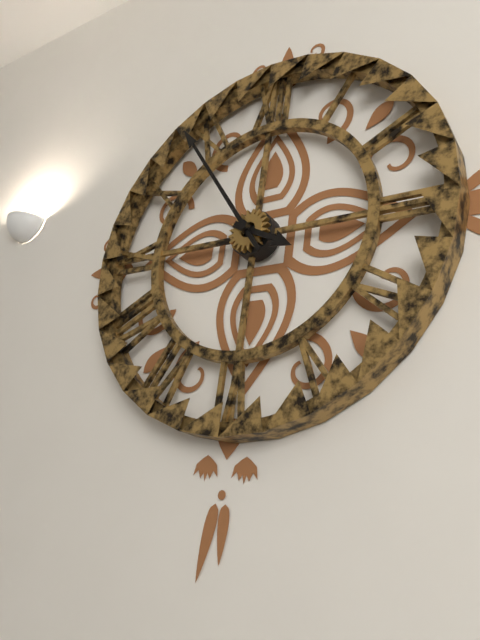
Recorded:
3 h 54 min
